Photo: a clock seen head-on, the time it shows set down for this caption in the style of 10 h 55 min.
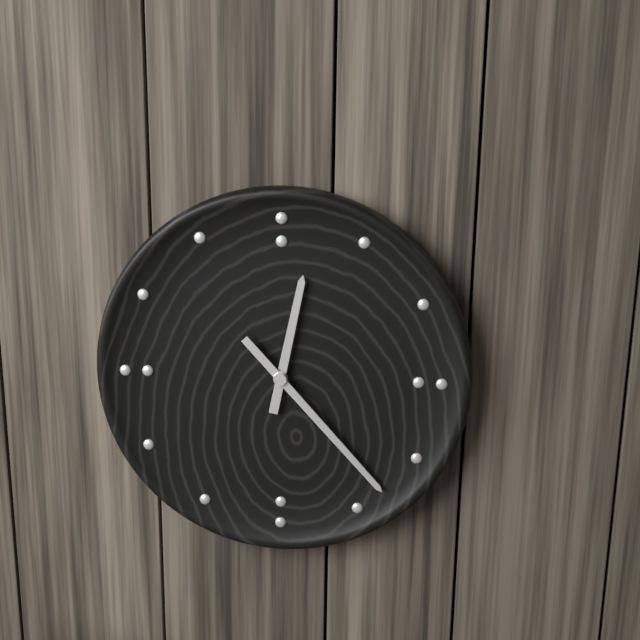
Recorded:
12 h 23 min
